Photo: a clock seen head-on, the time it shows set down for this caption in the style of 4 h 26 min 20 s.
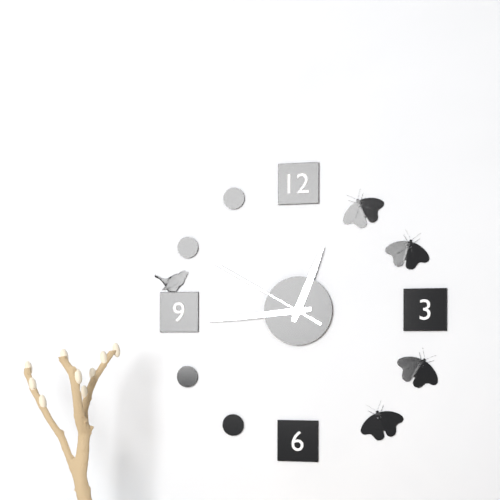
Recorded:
12 h 44 min 50 s
